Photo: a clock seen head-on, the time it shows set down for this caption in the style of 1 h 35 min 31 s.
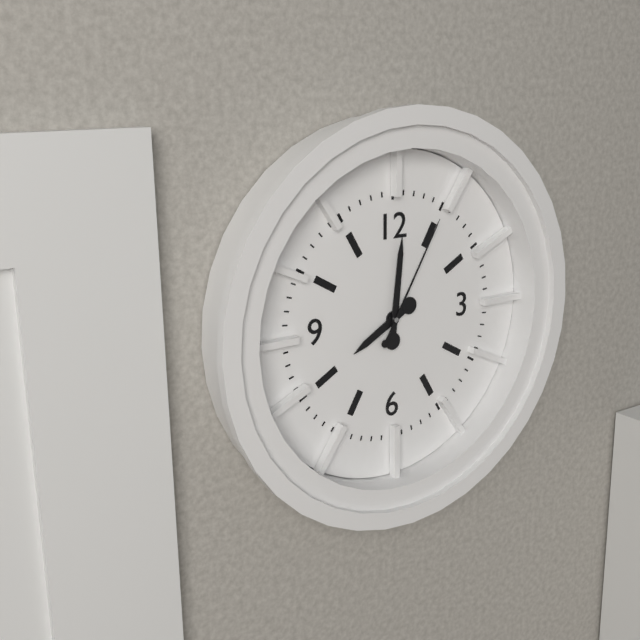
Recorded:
8 h 01 min 05 s
